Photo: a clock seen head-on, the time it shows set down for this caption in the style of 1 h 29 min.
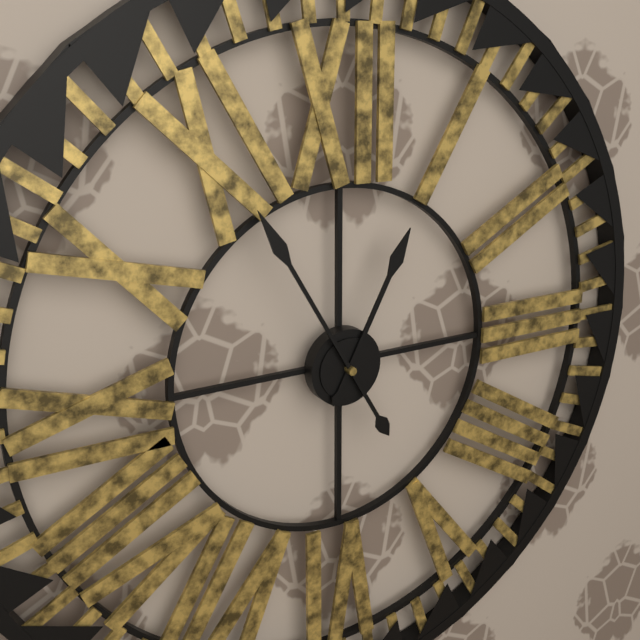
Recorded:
12 h 55 min
